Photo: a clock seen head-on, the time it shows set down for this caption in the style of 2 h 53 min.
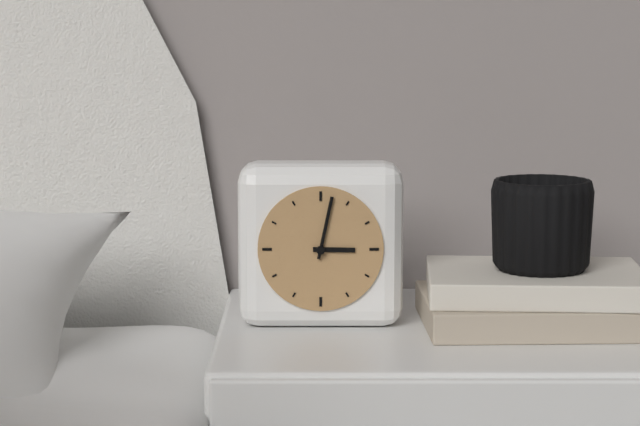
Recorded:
3 h 02 min
